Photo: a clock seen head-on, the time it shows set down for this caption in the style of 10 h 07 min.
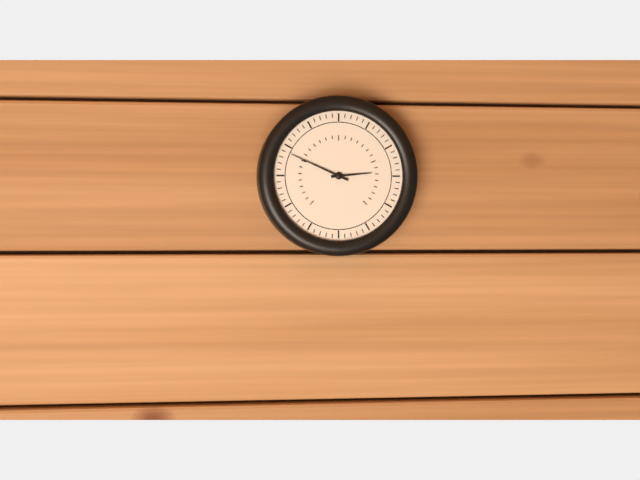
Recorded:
2 h 49 min
